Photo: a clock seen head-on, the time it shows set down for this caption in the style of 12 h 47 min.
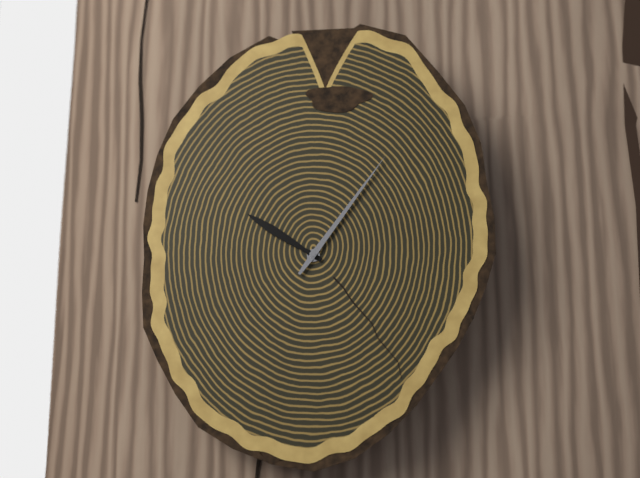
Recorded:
10 h 06 min
